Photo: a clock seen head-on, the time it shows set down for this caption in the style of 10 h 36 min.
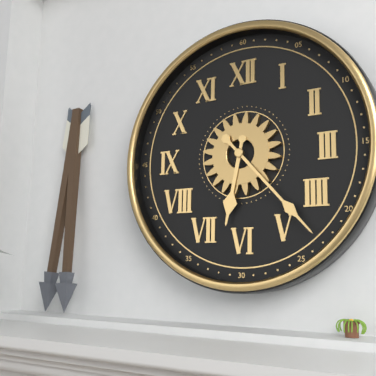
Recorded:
6 h 23 min
